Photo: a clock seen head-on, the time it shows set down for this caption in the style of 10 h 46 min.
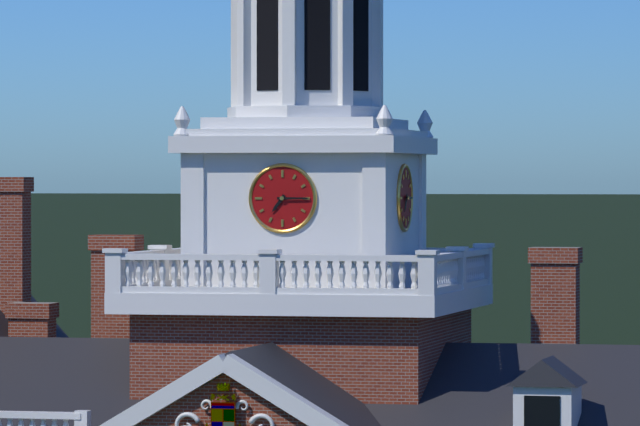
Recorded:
7 h 15 min
